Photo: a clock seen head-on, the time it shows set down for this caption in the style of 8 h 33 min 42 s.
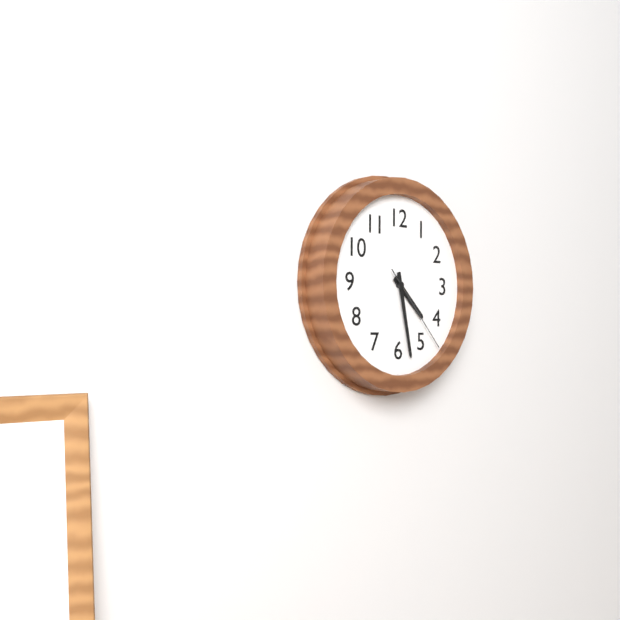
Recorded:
4 h 28 min 23 s
